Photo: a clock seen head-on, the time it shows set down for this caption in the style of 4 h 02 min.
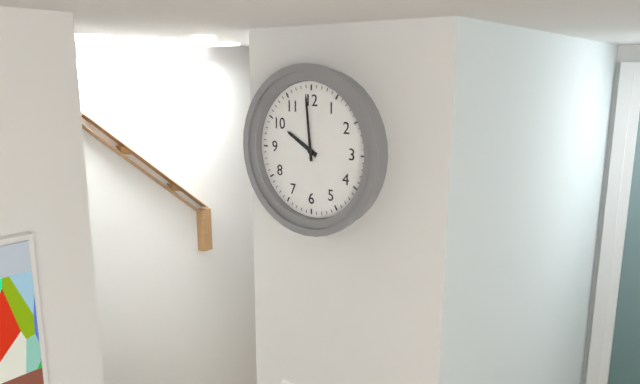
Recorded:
9 h 59 min
